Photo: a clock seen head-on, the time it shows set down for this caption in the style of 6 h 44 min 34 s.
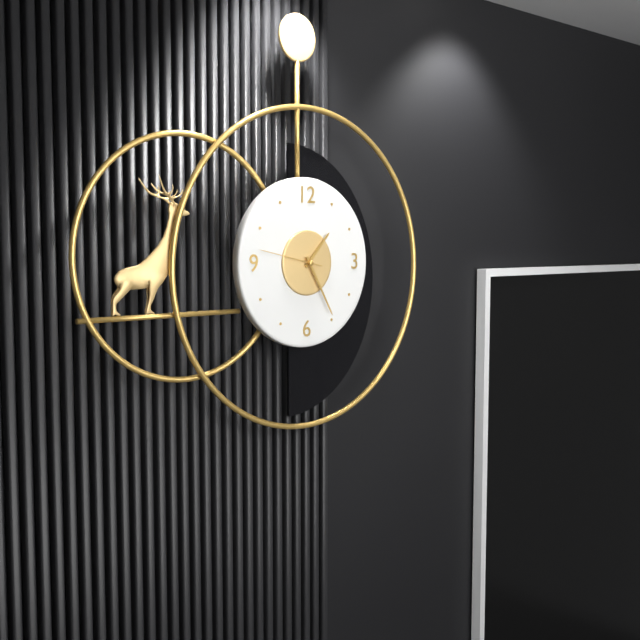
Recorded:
1 h 25 min 47 s
